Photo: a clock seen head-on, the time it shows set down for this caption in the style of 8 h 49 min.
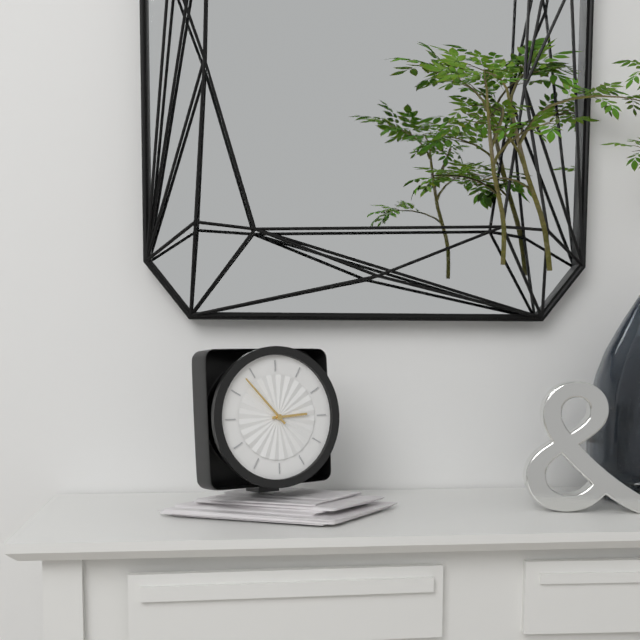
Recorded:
2 h 53 min
